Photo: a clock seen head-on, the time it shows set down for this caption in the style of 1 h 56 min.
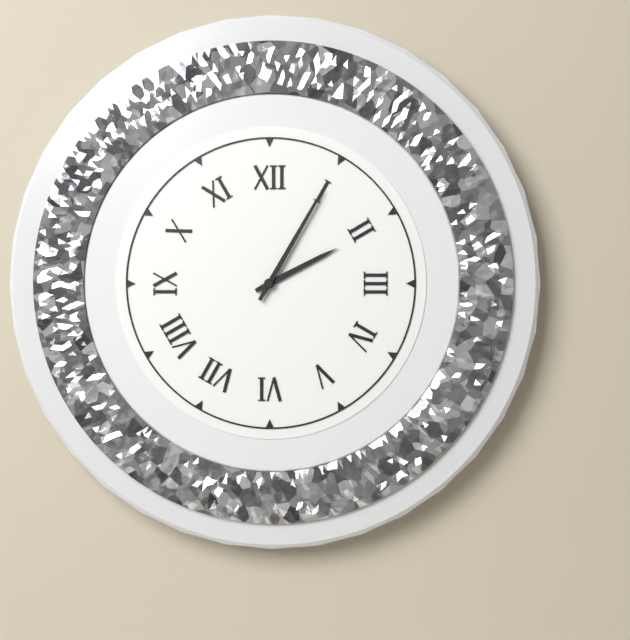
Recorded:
2 h 05 min
